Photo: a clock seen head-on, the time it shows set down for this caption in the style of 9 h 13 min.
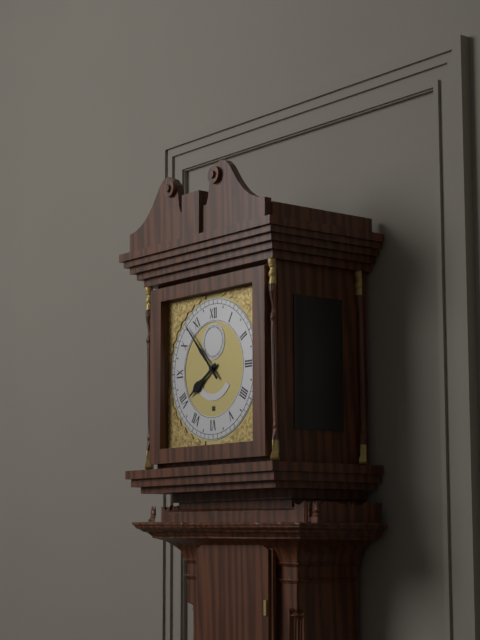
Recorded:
7 h 53 min
